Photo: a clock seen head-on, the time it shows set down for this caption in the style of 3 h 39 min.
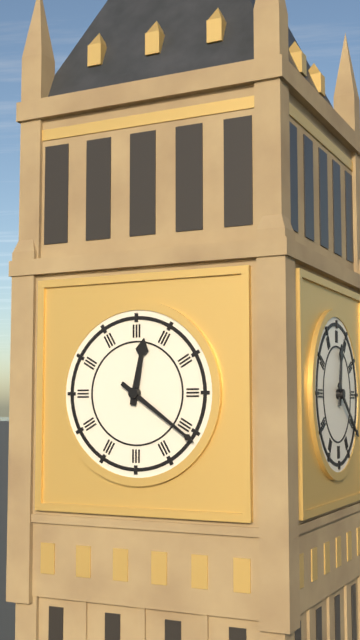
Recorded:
12 h 21 min
